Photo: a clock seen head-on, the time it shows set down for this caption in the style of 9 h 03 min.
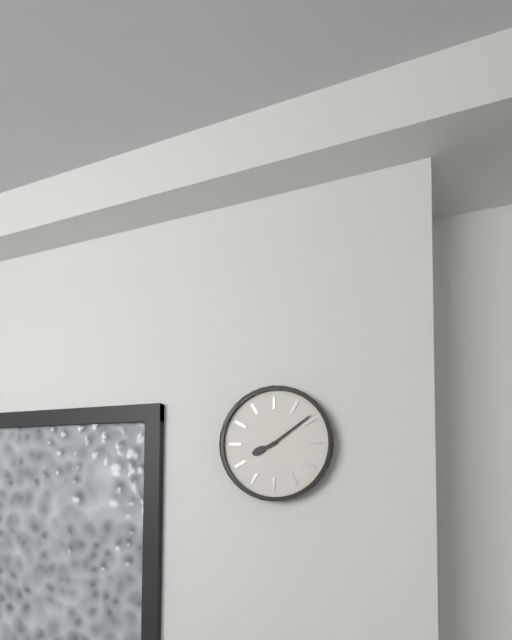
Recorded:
8 h 09 min
